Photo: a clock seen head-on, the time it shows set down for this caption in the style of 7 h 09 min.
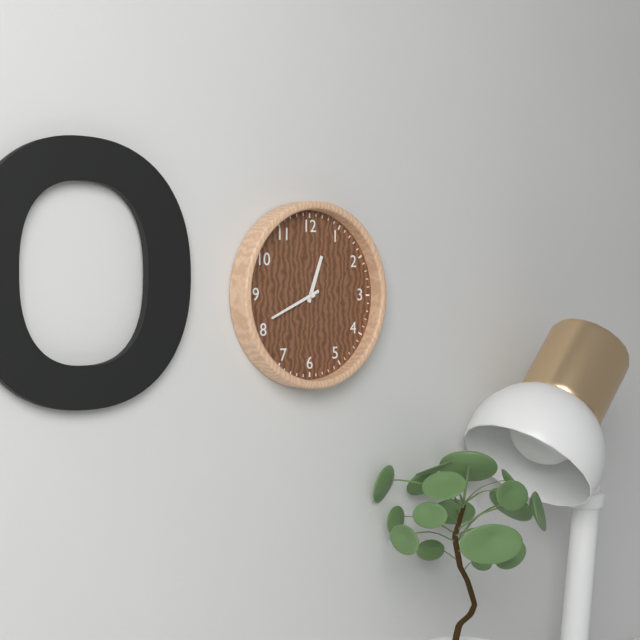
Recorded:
12 h 41 min
